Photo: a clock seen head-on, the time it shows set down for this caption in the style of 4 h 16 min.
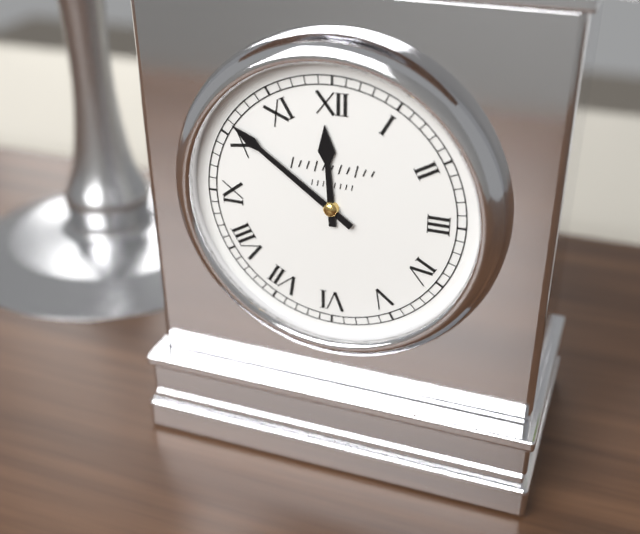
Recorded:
11 h 51 min
